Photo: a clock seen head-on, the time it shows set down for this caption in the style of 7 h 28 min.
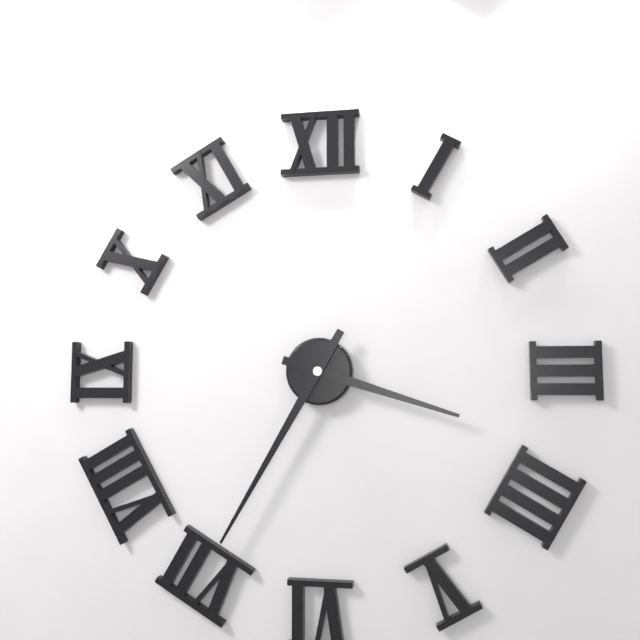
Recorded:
3 h 35 min
